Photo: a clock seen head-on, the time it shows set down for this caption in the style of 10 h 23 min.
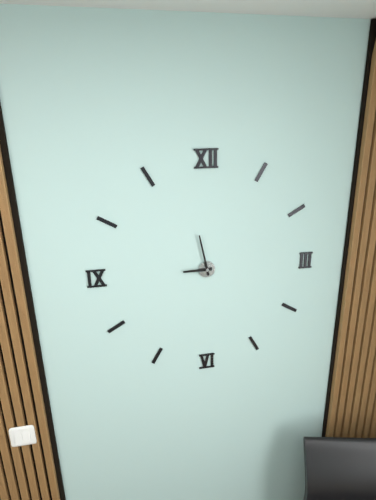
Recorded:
8 h 58 min
